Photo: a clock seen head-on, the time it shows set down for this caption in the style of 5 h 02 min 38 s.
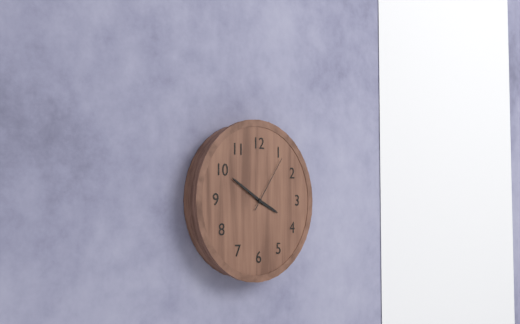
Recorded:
3 h 50 min 06 s
